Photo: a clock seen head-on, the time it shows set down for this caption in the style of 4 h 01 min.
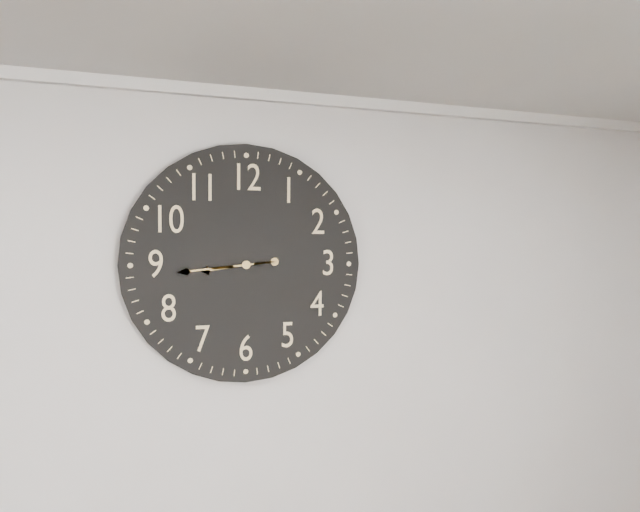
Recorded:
8 h 44 min
